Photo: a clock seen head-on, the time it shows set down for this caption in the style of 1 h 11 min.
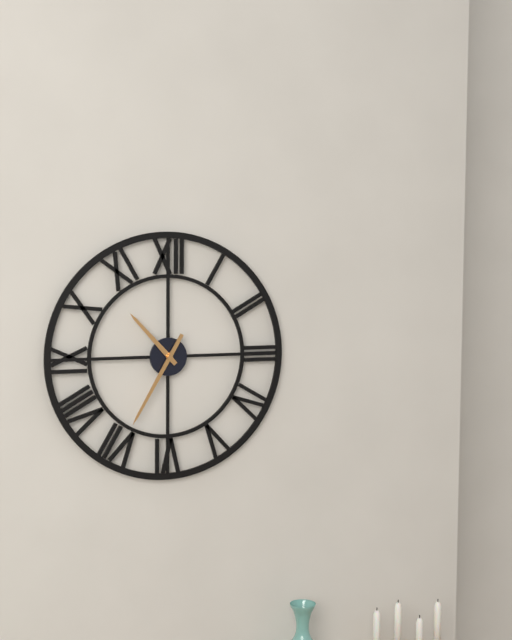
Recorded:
10 h 35 min
